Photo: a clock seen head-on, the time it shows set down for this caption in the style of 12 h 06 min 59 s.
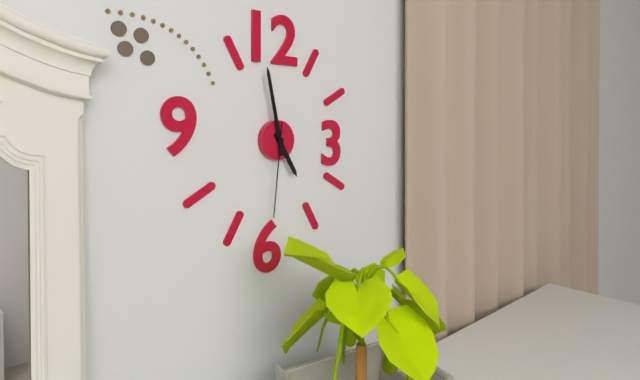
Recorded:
4 h 58 min 31 s
